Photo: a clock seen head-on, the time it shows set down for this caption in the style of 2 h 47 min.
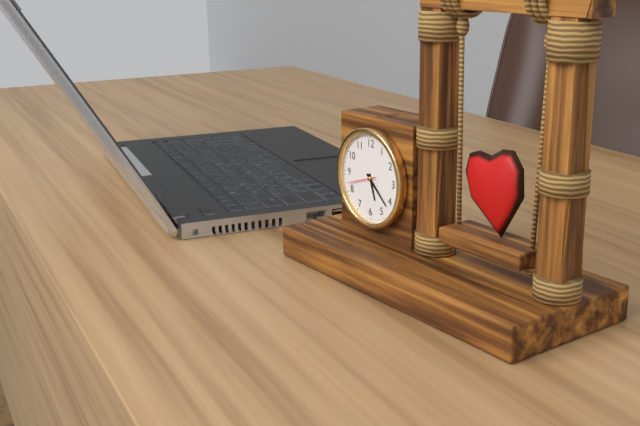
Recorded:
5 h 22 min
